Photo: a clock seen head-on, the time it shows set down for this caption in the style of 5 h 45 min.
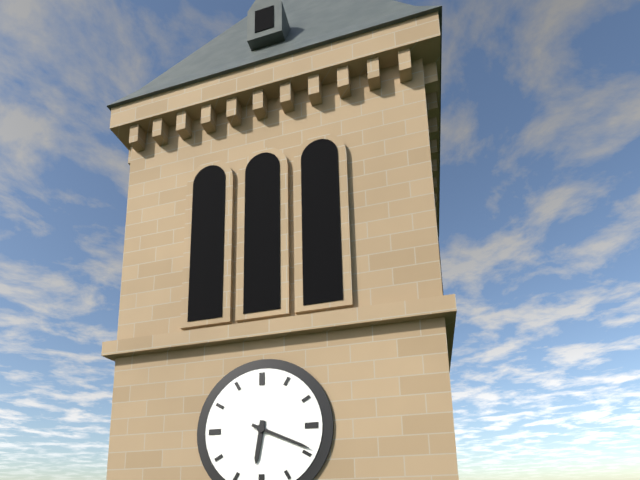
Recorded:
6 h 19 min
